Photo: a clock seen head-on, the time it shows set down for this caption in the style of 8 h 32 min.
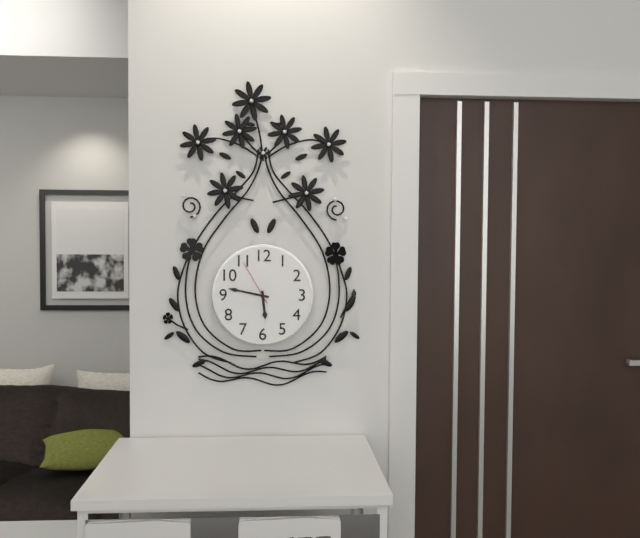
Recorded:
5 h 47 min
